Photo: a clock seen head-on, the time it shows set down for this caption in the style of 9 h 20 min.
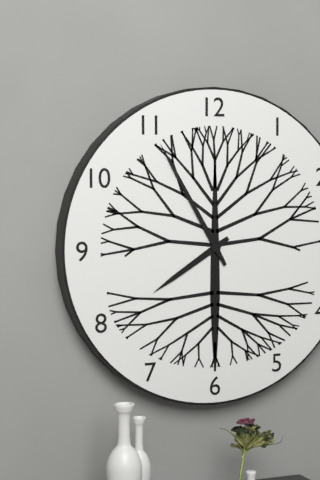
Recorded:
7 h 55 min
